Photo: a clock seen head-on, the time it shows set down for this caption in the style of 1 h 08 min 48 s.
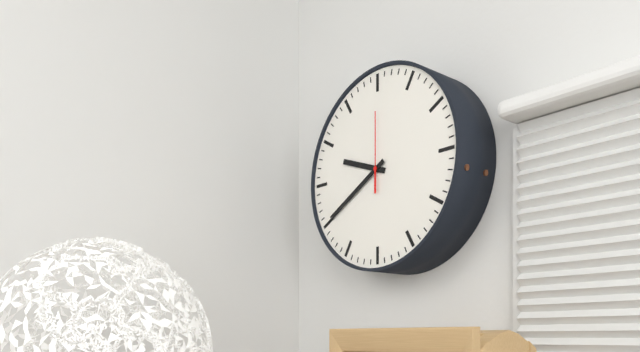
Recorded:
9 h 40 min 00 s
